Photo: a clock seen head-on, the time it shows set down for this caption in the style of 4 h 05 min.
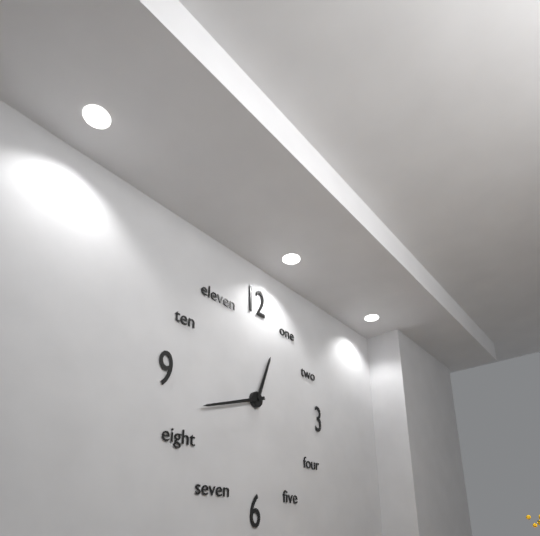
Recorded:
12 h 42 min
